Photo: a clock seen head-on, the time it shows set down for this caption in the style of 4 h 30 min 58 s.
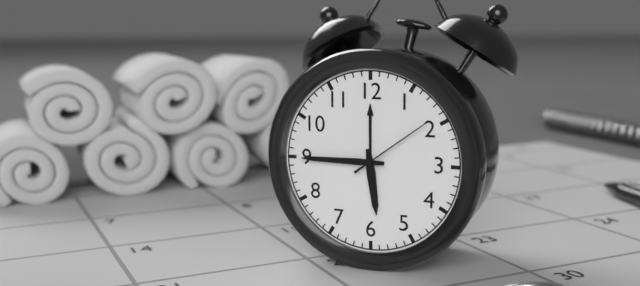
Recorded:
5 h 45 min 09 s
